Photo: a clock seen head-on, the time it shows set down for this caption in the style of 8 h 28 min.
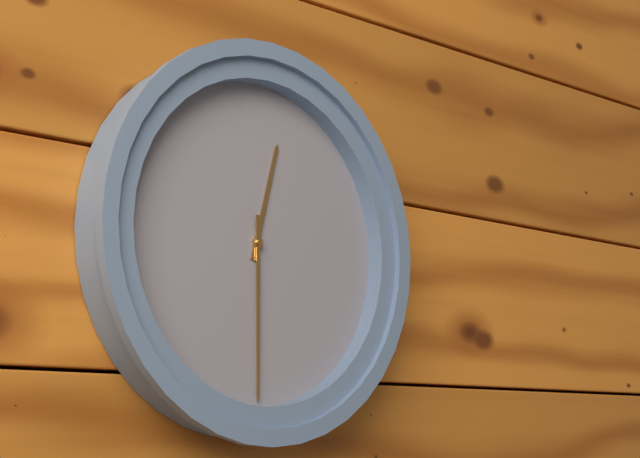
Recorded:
12 h 30 min
